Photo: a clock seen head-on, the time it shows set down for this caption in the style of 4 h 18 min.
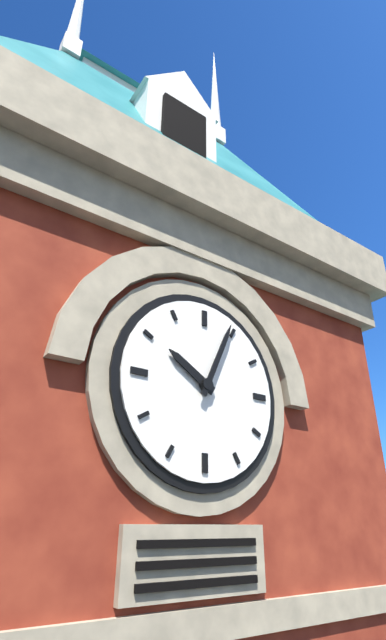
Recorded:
10 h 04 min
